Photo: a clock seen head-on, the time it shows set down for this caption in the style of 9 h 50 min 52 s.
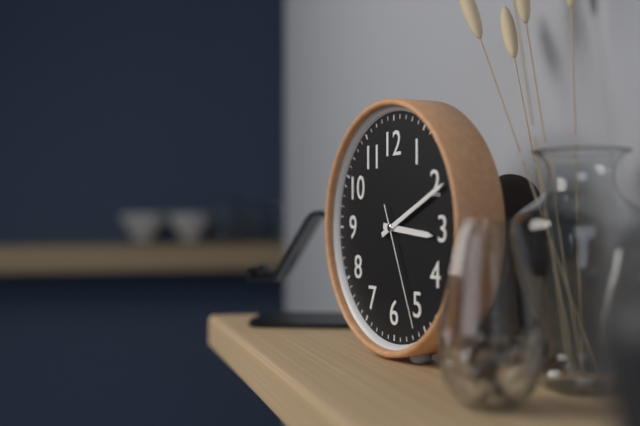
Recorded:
3 h 11 min 26 s
